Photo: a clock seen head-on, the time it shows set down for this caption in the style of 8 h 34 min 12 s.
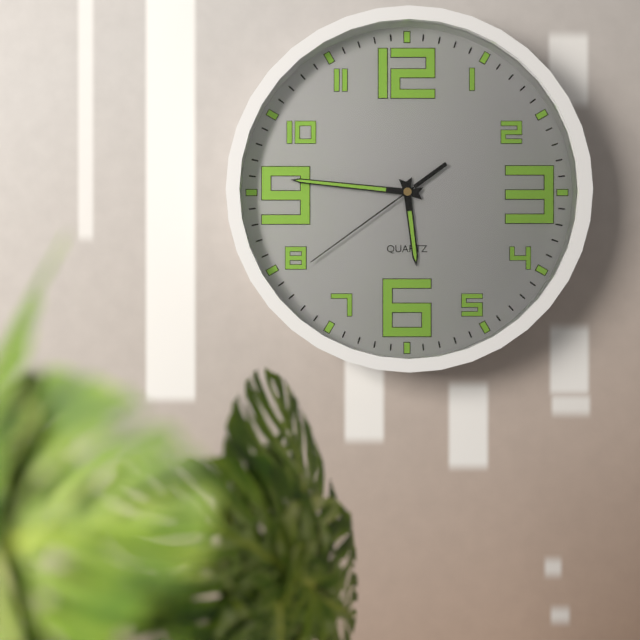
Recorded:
5 h 46 min 39 s
